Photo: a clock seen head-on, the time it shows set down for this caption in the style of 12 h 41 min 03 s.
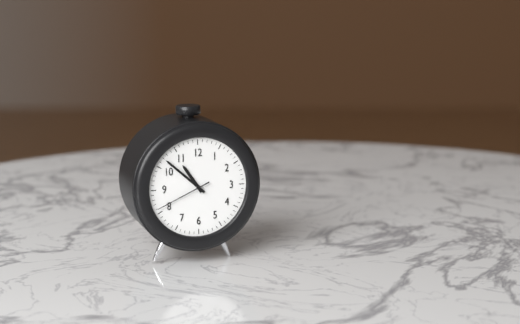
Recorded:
10 h 52 min 41 s
